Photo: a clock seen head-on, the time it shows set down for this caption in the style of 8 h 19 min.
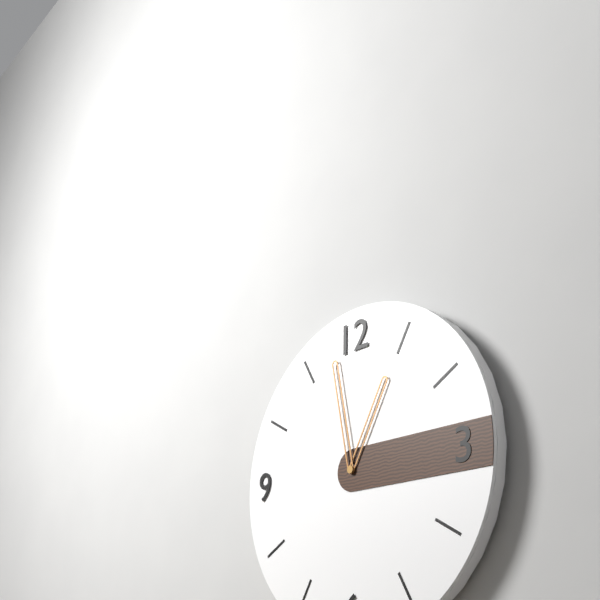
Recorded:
12 h 58 min
